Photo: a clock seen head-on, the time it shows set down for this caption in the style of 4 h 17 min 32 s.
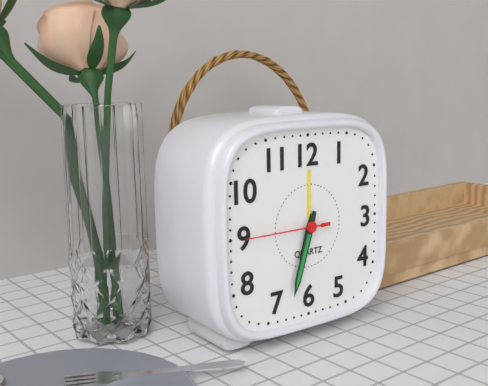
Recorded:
6 h 33 min 45 s
